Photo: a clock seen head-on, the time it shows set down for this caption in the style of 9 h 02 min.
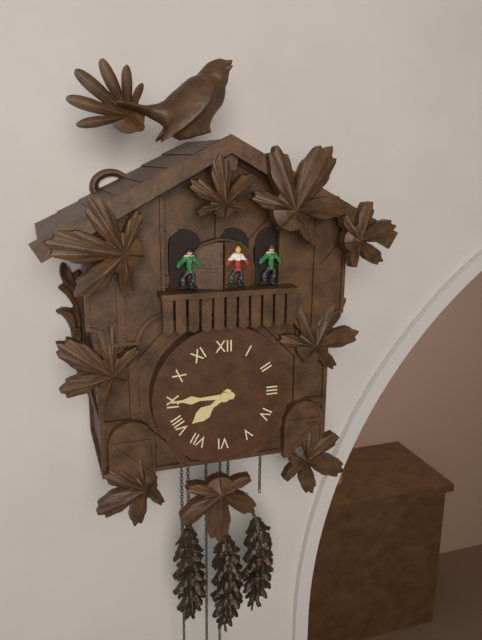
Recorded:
7 h 45 min
